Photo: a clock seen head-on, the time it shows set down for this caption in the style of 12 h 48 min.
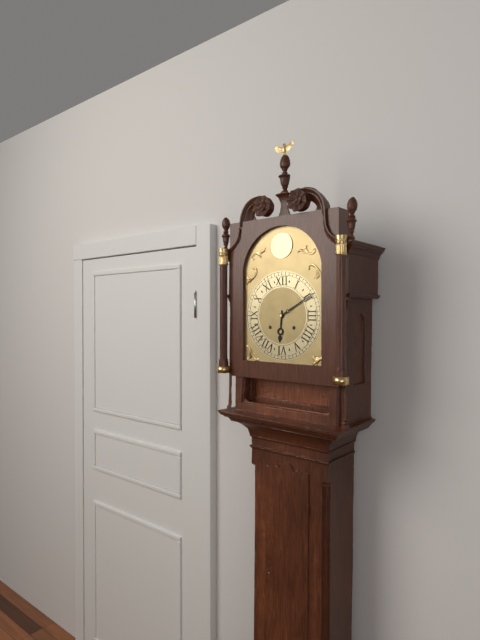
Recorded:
6 h 10 min
